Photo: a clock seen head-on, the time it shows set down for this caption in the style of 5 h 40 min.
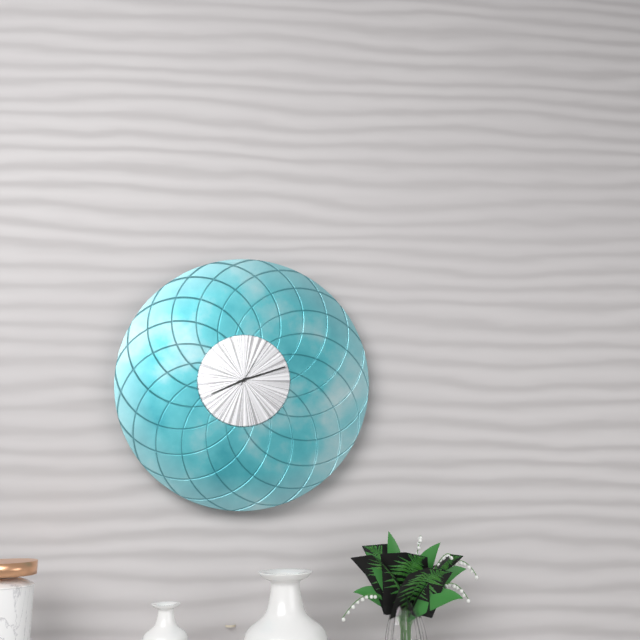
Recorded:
8 h 12 min
